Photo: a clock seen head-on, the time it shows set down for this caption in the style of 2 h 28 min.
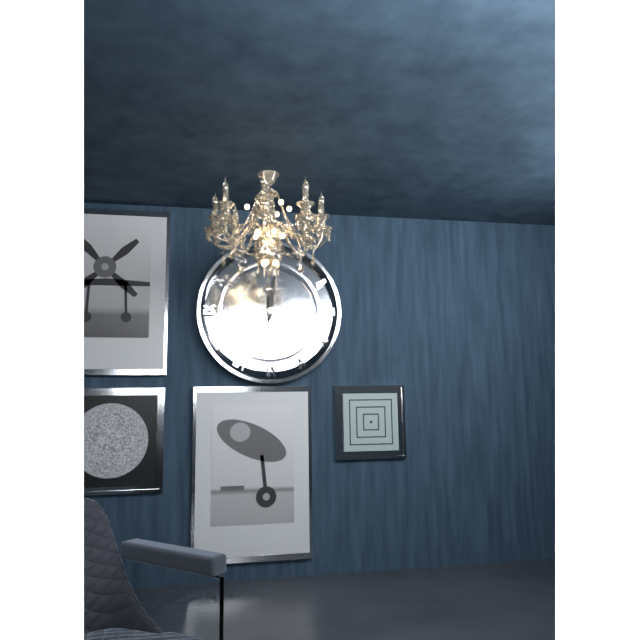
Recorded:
12 h 01 min
